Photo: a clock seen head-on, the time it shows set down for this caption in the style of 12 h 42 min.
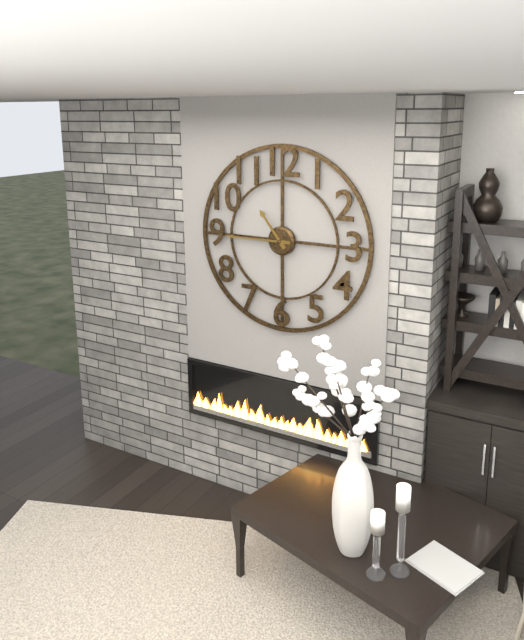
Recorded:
10 h 45 min
